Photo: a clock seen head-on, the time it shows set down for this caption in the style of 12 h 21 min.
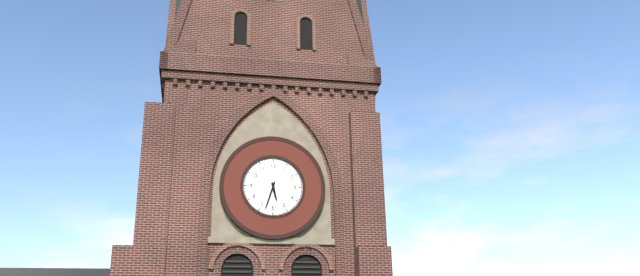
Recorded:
5 h 33 min
